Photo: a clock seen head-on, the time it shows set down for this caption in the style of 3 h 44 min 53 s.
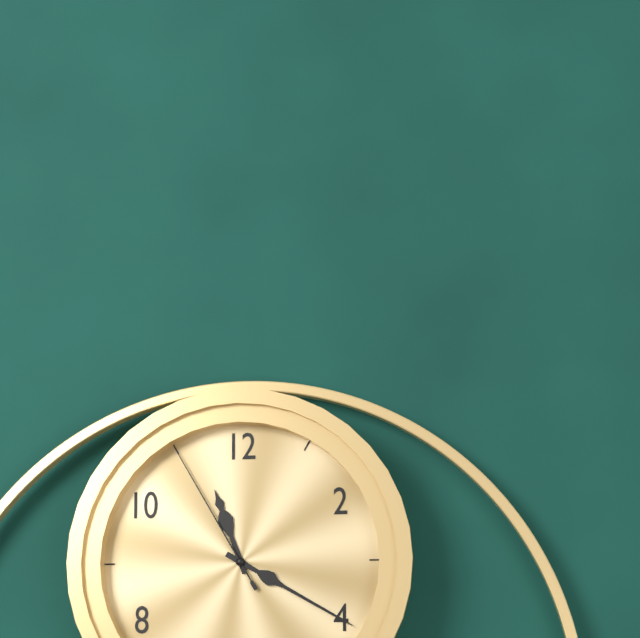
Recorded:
11 h 20 min 55 s
